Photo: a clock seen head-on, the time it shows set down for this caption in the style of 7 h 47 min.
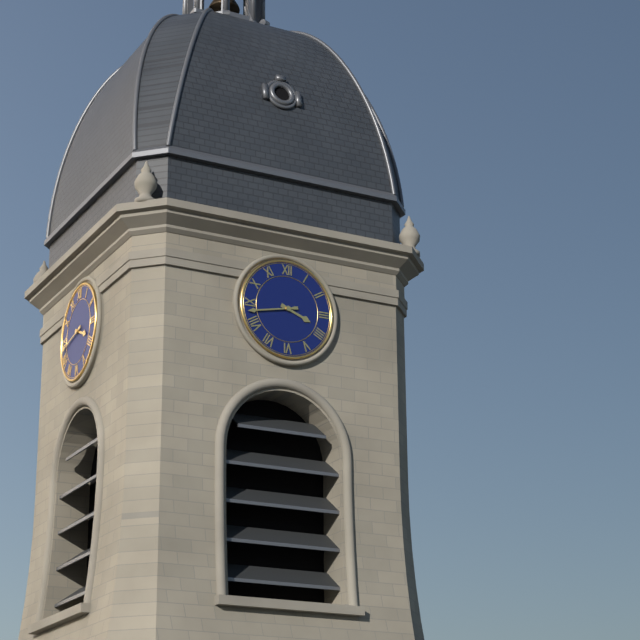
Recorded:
3 h 43 min
